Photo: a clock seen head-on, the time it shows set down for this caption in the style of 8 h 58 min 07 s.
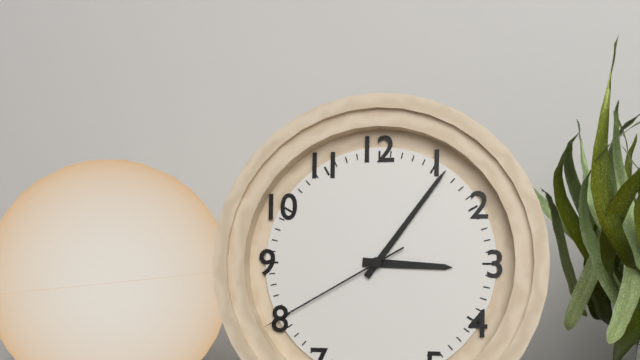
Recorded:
3 h 06 min 40 s
